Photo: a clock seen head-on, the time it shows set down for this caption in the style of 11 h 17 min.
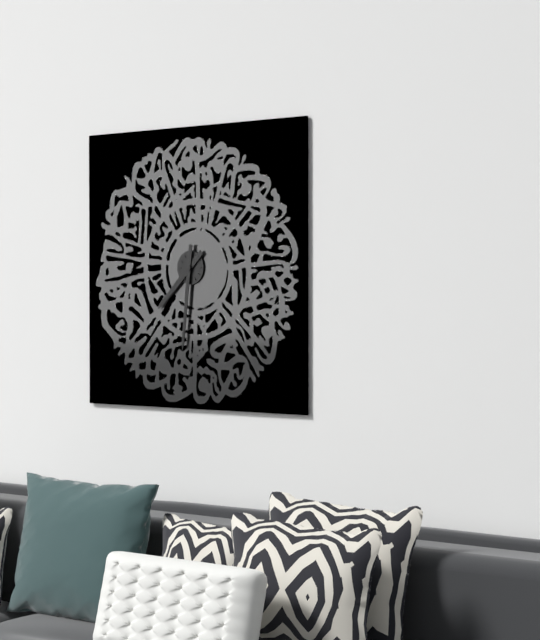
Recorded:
7 h 31 min
